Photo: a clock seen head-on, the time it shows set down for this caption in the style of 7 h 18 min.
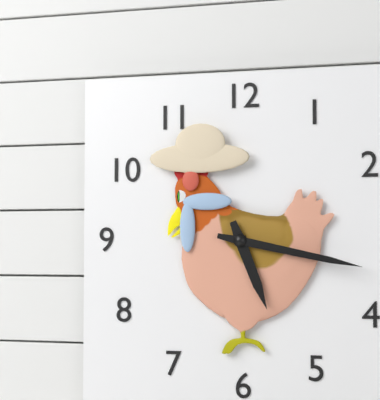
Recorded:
5 h 17 min
